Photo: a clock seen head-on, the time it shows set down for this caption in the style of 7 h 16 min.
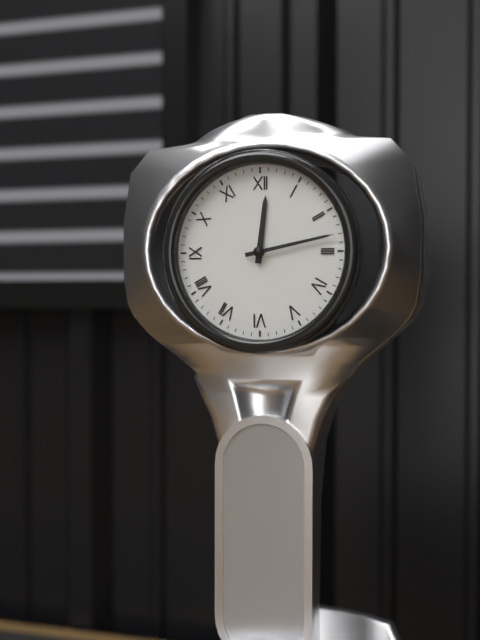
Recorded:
12 h 13 min
